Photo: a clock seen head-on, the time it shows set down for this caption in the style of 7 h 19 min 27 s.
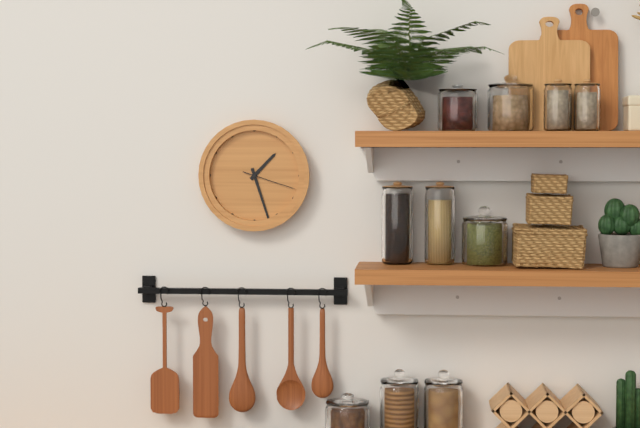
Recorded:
1 h 27 min 18 s
